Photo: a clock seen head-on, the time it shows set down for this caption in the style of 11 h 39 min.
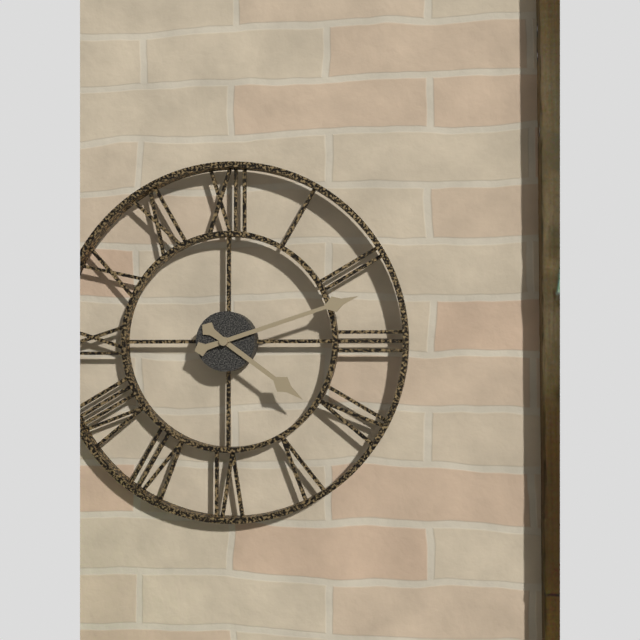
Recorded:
4 h 12 min
